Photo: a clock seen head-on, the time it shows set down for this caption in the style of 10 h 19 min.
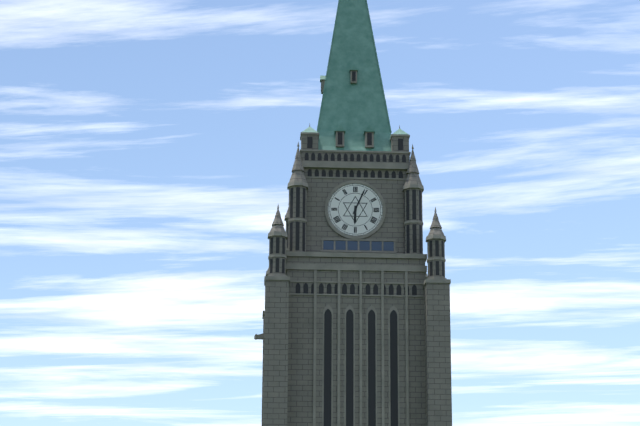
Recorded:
6 h 04 min
